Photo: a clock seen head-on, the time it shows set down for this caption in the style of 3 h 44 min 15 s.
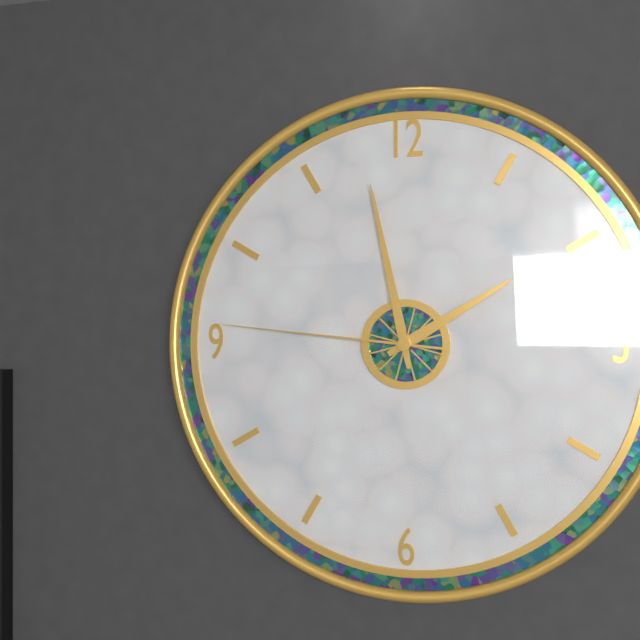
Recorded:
1 h 58 min 46 s
